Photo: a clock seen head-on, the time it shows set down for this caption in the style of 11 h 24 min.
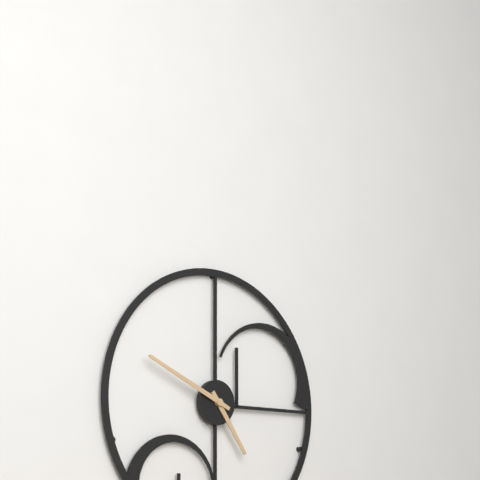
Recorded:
4 h 49 min
